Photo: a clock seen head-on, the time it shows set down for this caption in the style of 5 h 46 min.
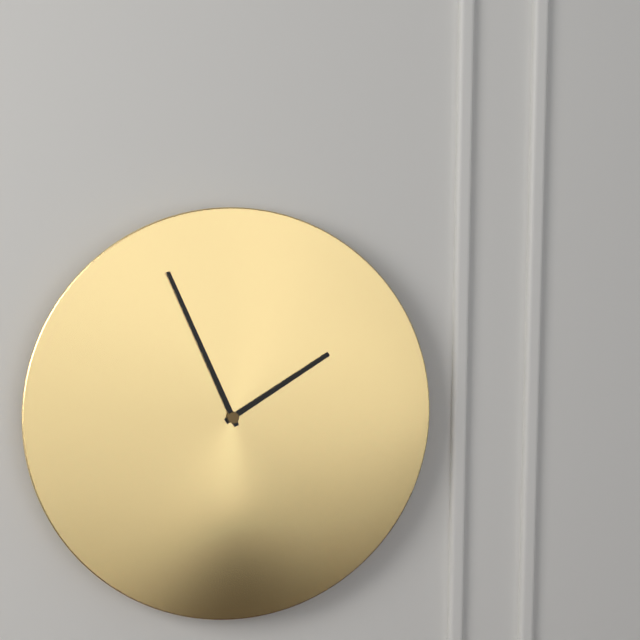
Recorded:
1 h 56 min
